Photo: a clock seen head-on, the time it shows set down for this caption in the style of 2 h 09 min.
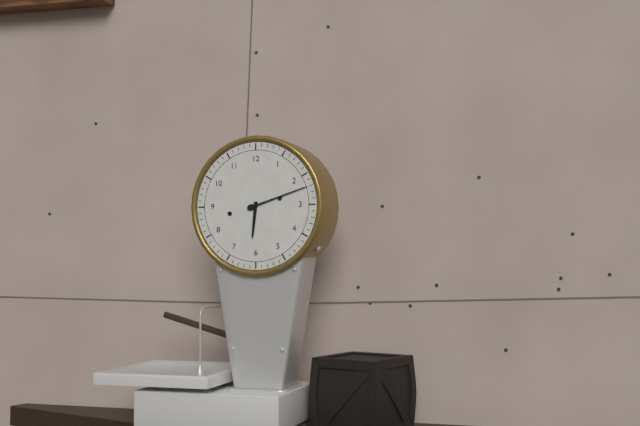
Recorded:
6 h 12 min
